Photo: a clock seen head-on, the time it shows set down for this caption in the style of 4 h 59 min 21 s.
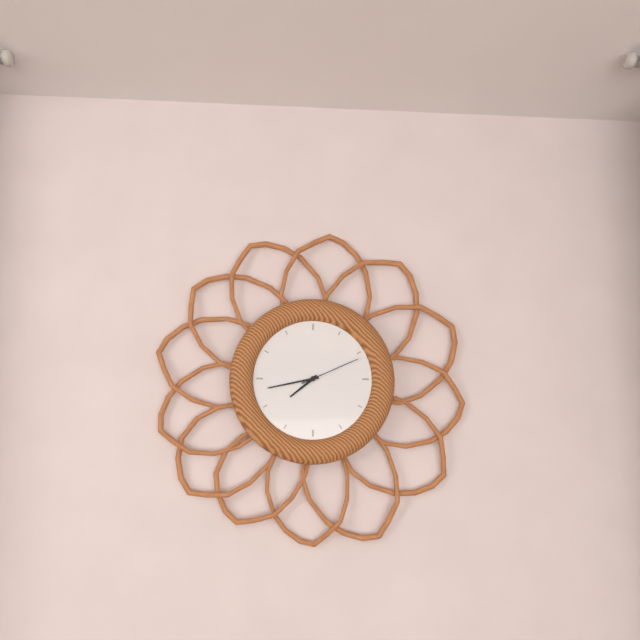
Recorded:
7 h 43 min 11 s
